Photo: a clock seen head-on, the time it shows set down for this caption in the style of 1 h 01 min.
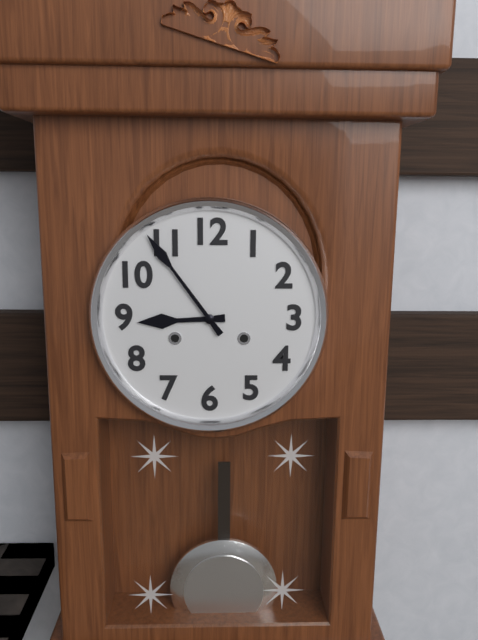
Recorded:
8 h 54 min
